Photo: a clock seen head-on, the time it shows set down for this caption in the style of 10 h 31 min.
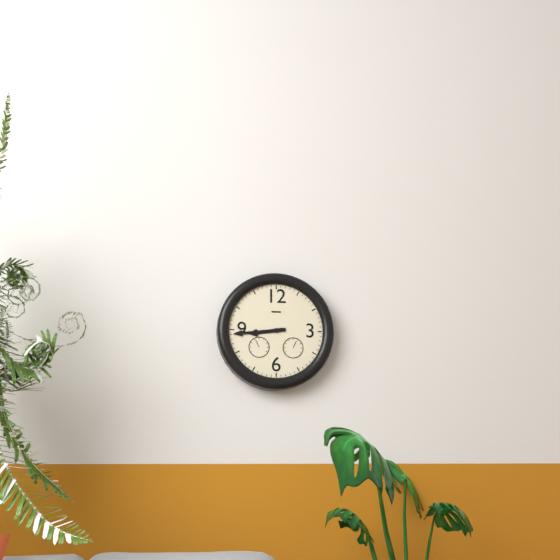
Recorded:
8 h 44 min
